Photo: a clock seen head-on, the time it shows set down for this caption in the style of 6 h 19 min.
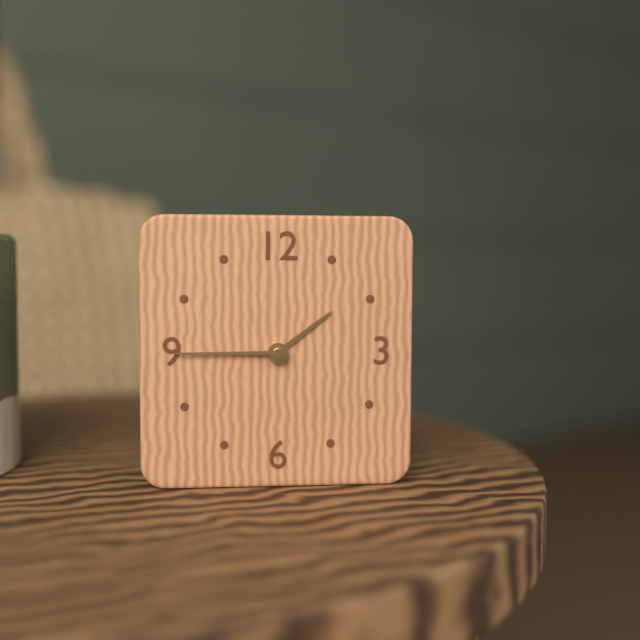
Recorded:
1 h 45 min
